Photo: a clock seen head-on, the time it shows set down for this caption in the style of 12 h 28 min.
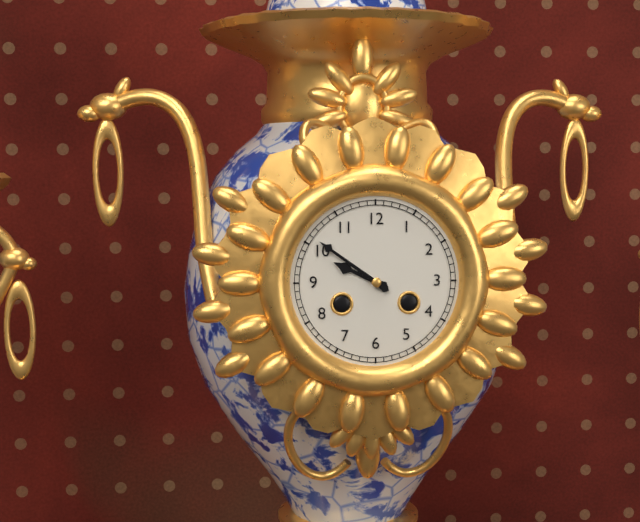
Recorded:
9 h 51 min
